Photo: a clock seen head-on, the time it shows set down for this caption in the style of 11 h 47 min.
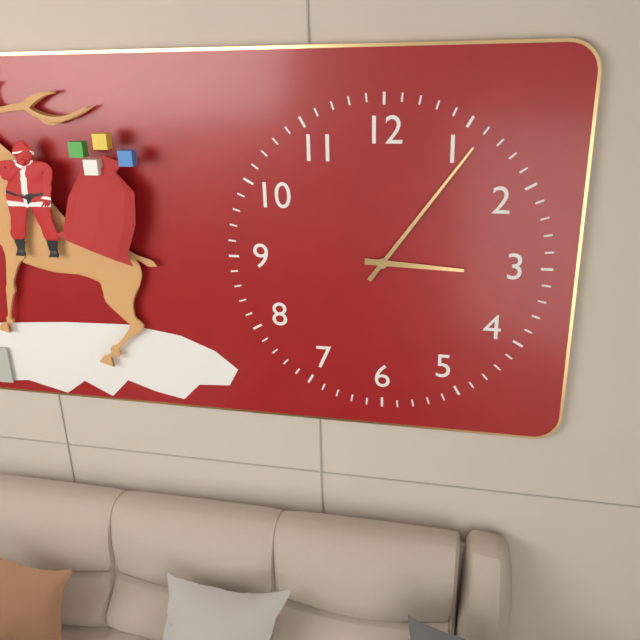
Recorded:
3 h 06 min
